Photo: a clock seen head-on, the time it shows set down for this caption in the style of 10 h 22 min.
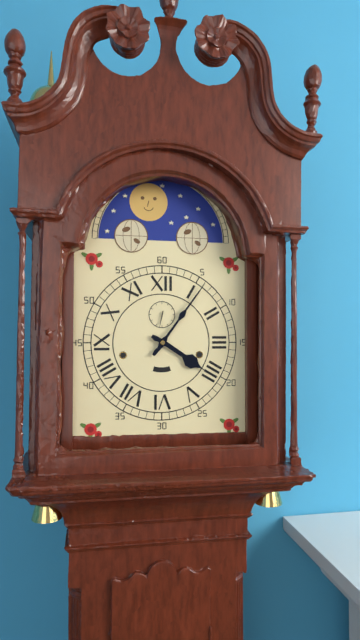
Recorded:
4 h 06 min
